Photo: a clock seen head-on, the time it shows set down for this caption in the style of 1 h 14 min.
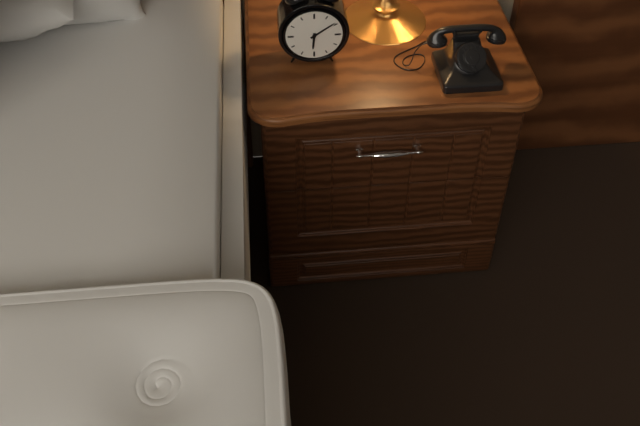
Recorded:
6 h 09 min
